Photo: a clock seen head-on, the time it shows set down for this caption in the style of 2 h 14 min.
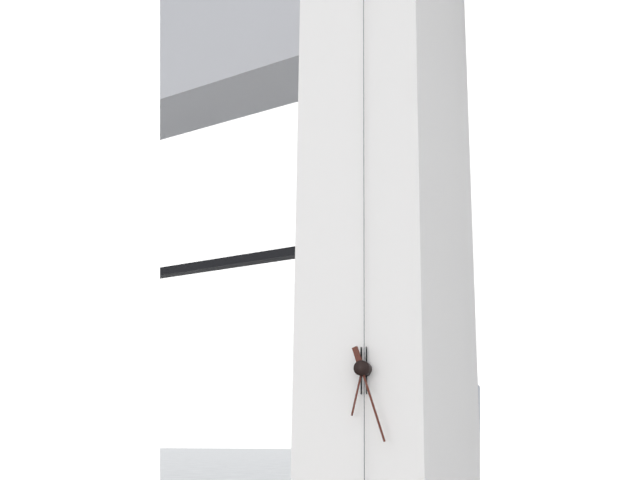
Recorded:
6 h 27 min
